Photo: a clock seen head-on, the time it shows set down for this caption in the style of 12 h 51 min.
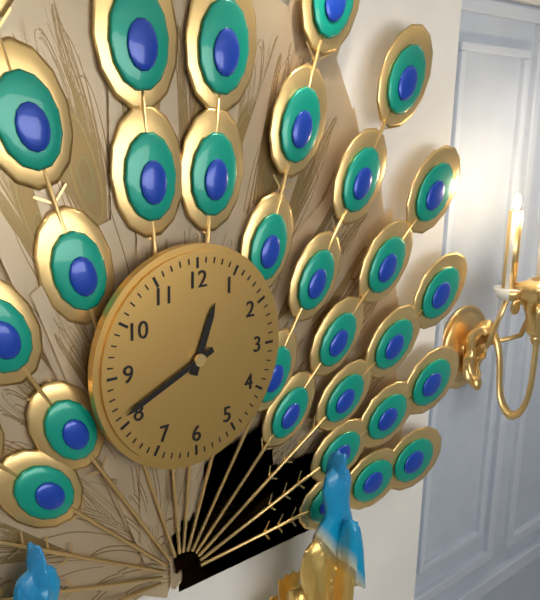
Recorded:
12 h 41 min
